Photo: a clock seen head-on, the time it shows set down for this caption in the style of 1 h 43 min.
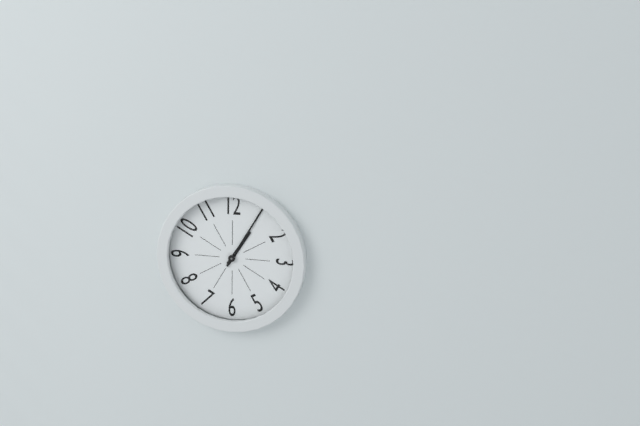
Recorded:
1 h 05 min
